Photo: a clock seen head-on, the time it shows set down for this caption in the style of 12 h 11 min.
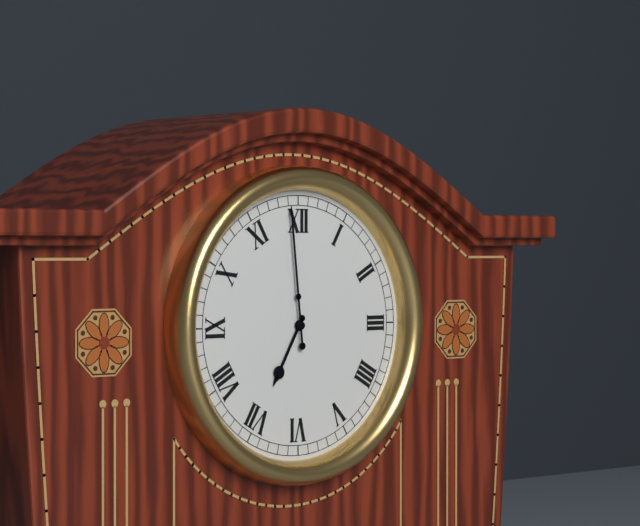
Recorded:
6 h 59 min
